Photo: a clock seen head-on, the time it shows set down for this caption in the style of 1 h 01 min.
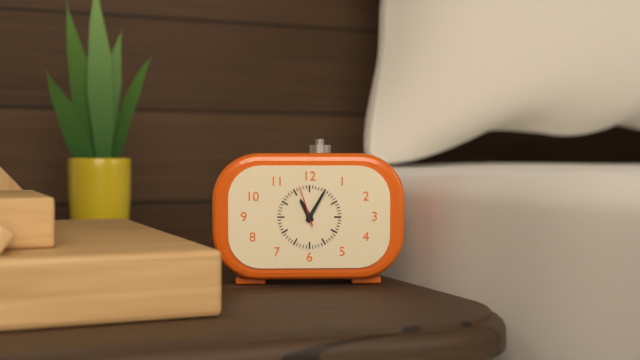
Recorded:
11 h 05 min
